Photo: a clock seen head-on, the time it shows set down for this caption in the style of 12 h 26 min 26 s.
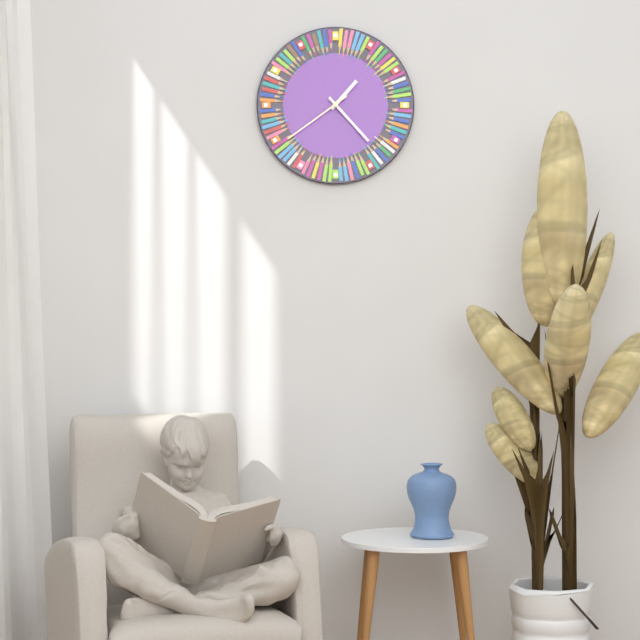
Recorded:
1 h 23 min 39 s
